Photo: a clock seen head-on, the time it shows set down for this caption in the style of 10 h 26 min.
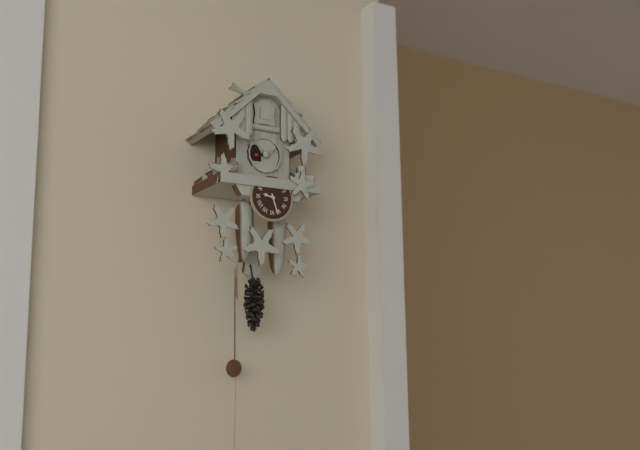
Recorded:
9 h 27 min
